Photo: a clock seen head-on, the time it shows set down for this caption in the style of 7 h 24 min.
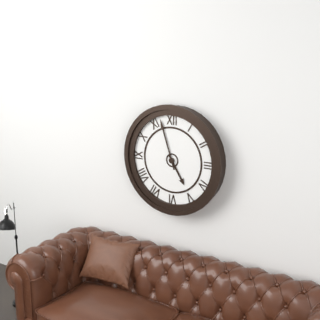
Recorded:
4 h 57 min
